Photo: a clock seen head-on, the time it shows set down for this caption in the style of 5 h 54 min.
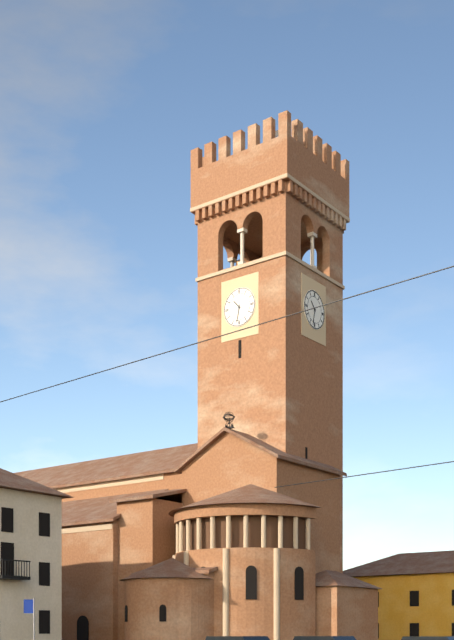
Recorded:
10 h 32 min
